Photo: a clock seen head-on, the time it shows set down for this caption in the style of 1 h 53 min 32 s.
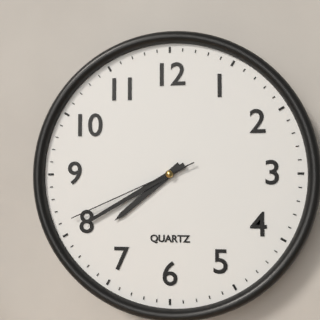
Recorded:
7 h 40 min 41 s
